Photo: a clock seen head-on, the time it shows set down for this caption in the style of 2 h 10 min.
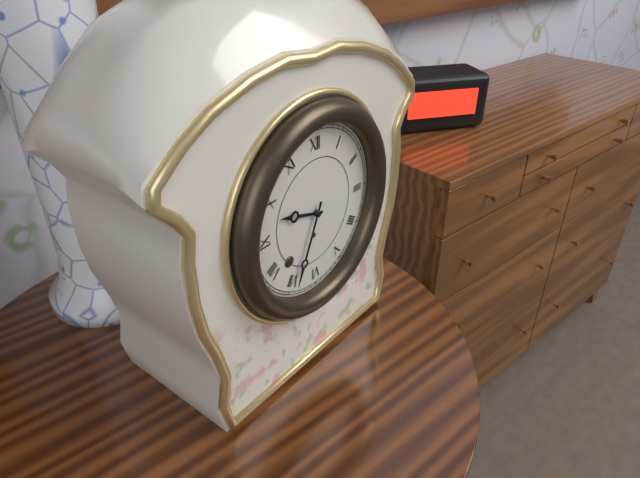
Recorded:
9 h 34 min
